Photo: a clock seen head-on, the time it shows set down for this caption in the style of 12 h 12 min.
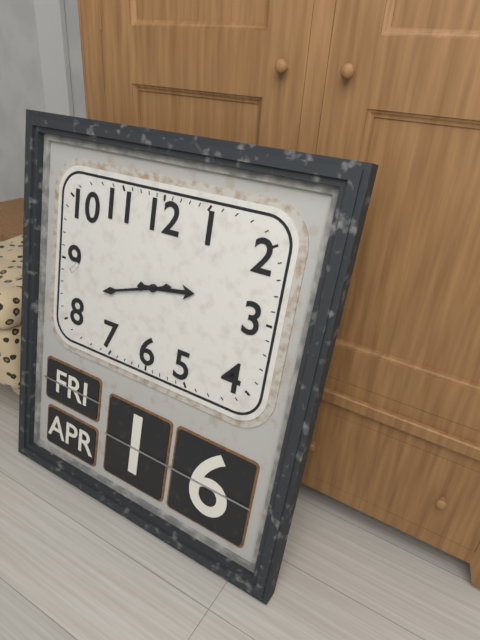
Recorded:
2 h 42 min
